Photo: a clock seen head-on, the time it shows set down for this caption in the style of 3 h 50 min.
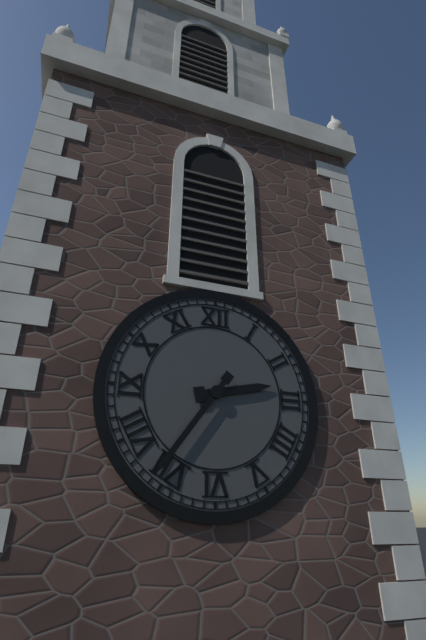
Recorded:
2 h 36 min
